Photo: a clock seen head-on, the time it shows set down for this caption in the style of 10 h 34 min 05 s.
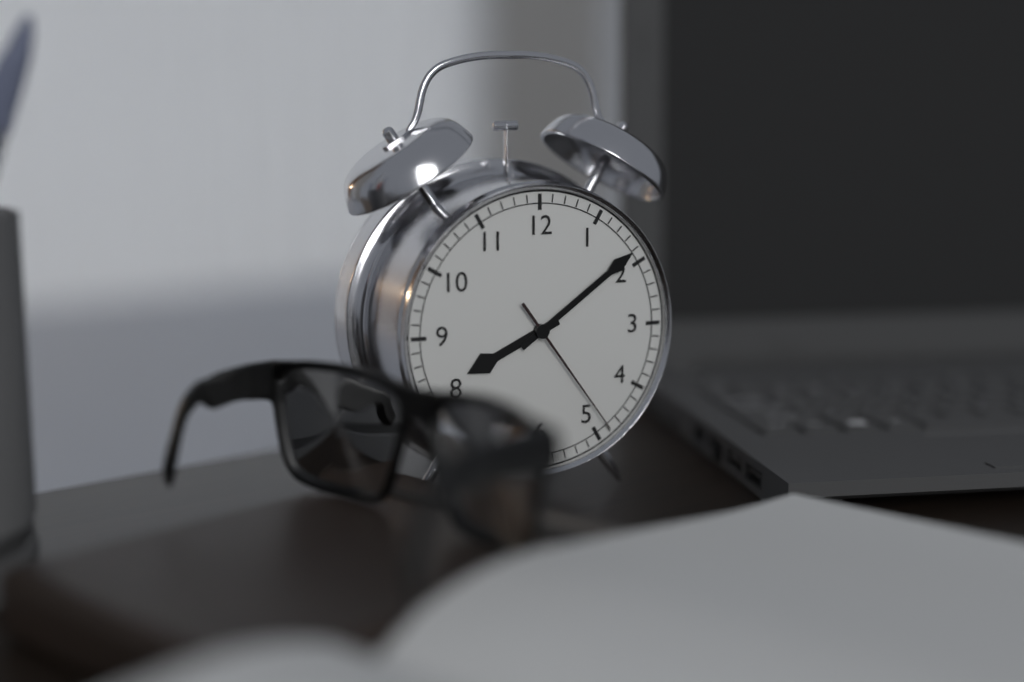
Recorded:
8 h 09 min 24 s
